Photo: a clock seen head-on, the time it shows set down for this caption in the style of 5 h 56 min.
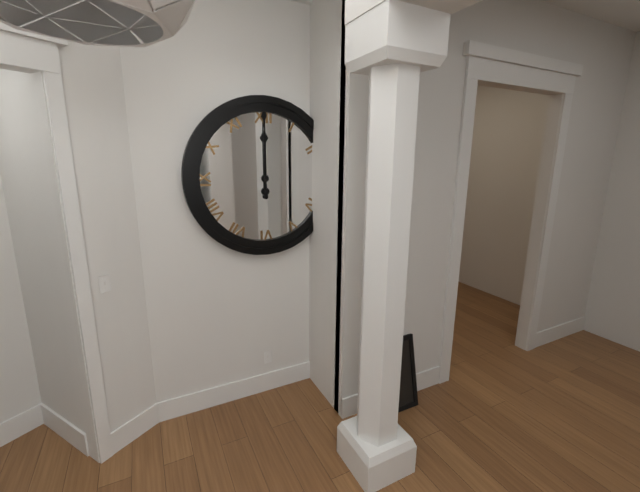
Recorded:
12 h 00 min
